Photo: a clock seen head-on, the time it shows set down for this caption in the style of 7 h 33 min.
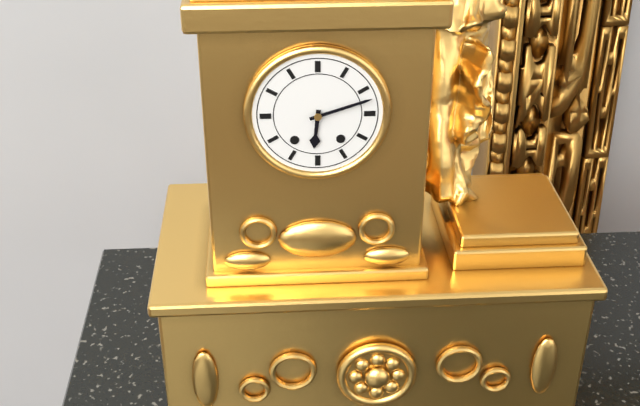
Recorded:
6 h 12 min
